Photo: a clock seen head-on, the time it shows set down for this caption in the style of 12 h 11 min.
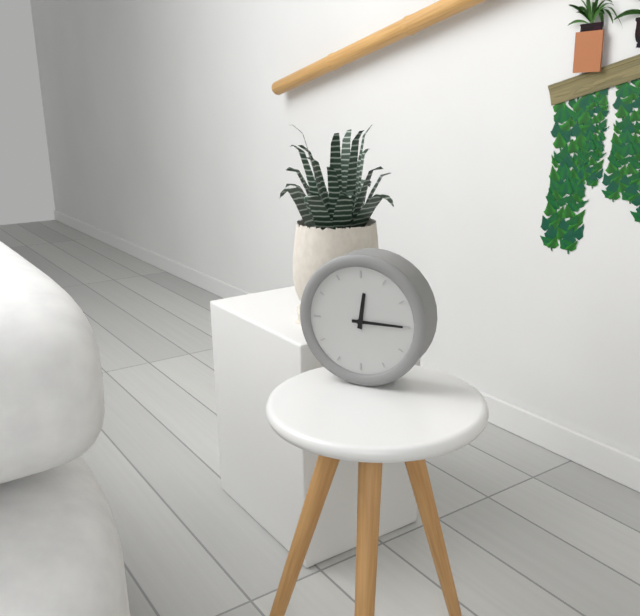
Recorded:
12 h 15 min
